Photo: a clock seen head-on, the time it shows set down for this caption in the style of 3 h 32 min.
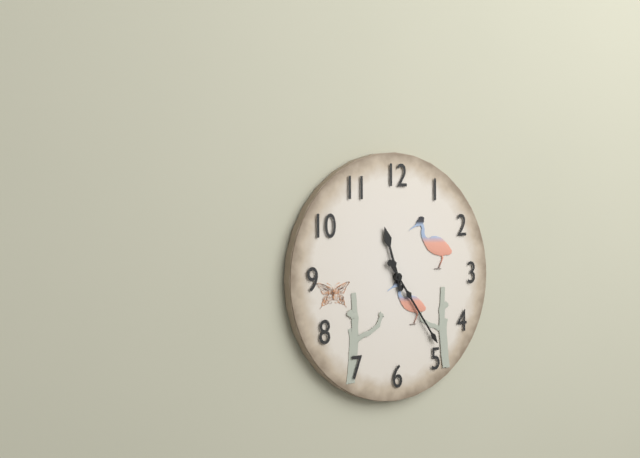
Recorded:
11 h 24 min
